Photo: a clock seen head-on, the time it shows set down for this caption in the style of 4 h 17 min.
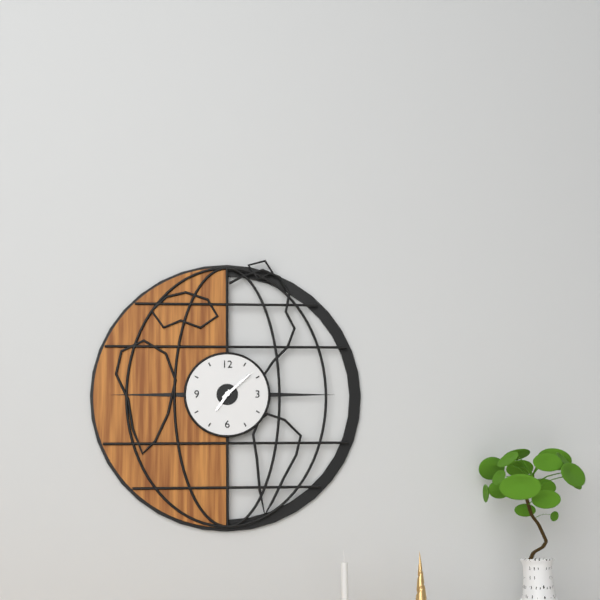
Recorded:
7 h 08 min
